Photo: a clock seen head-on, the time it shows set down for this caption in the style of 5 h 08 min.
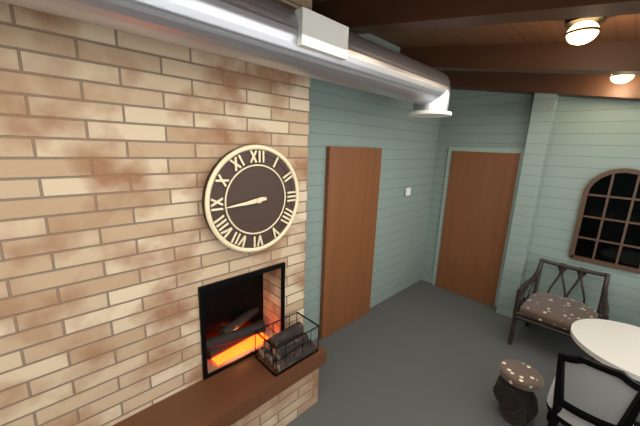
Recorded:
8 h 44 min
